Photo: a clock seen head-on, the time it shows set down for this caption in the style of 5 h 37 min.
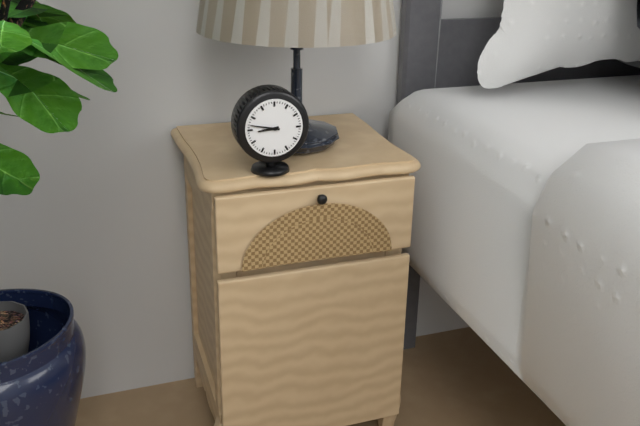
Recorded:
8 h 47 min
